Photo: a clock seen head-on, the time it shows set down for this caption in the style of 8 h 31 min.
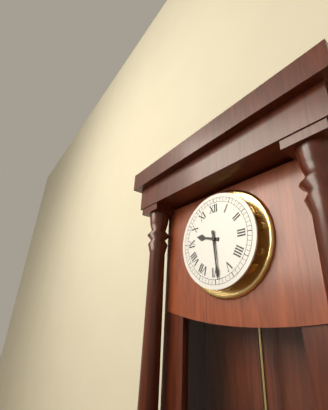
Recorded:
9 h 29 min
